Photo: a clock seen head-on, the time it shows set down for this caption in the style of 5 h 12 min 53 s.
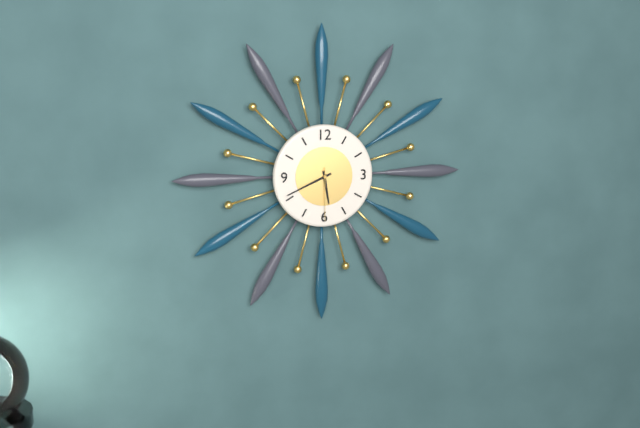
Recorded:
5 h 41 min 30 s
